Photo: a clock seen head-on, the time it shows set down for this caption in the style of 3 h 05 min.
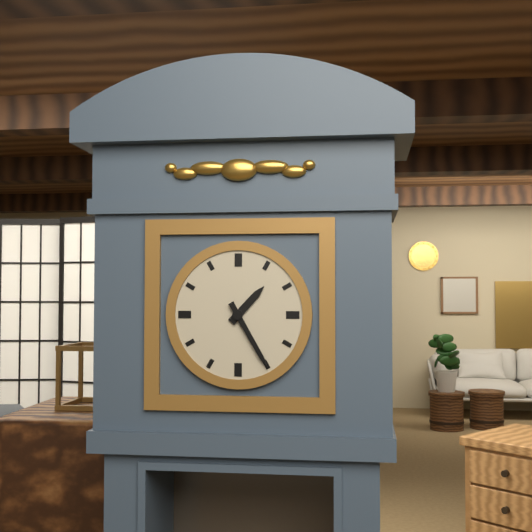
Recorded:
1 h 25 min
